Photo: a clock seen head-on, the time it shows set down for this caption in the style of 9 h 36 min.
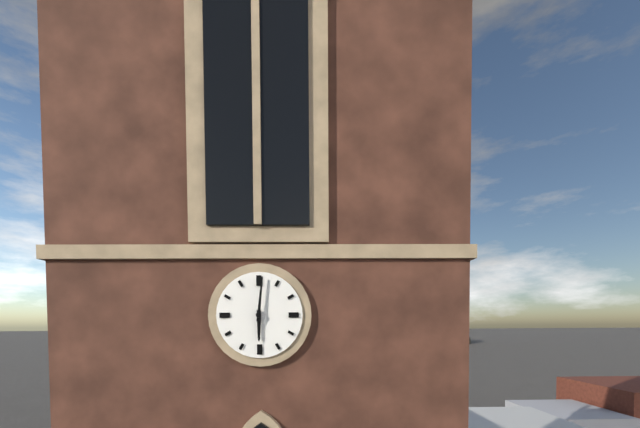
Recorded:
6 h 01 min
